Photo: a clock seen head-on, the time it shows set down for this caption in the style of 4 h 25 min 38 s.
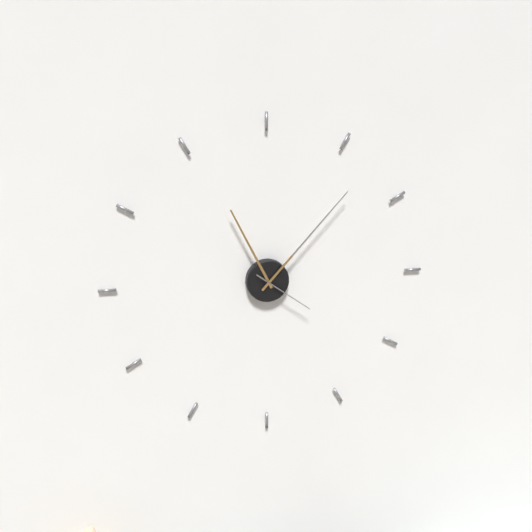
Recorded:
11 h 07 min 21 s
